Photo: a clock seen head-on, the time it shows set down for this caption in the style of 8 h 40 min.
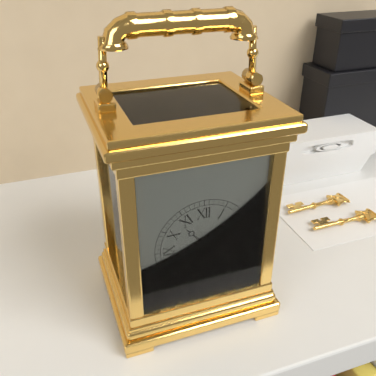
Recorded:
10 h 40 min
